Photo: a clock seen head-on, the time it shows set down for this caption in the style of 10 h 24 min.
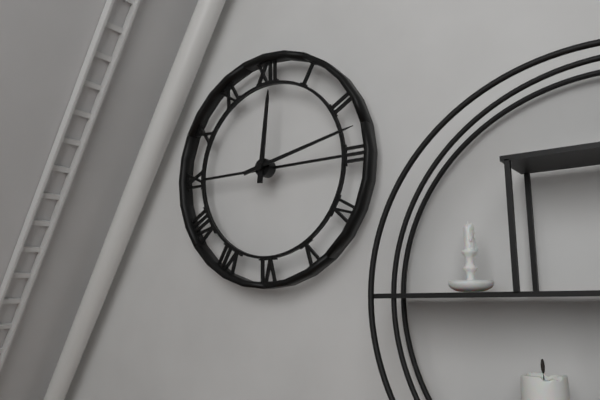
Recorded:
12 h 13 min
